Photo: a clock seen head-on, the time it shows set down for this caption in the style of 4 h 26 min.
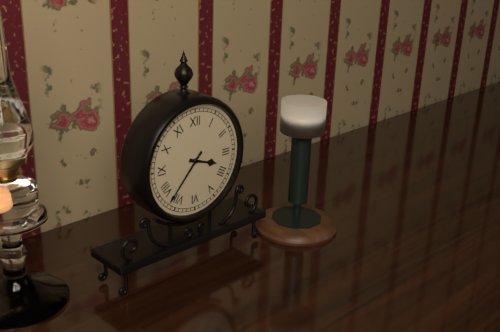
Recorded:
3 h 37 min
